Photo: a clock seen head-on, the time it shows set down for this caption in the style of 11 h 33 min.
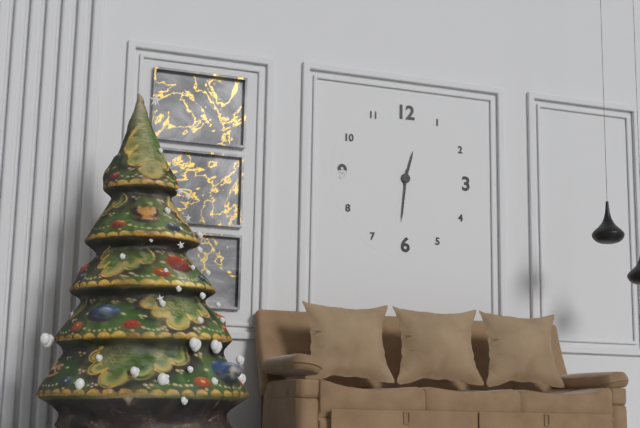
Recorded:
12 h 31 min
